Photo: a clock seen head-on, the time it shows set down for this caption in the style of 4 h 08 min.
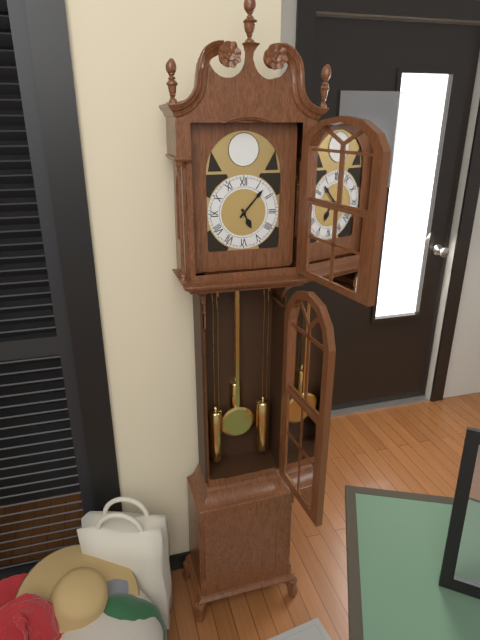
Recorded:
5 h 07 min
